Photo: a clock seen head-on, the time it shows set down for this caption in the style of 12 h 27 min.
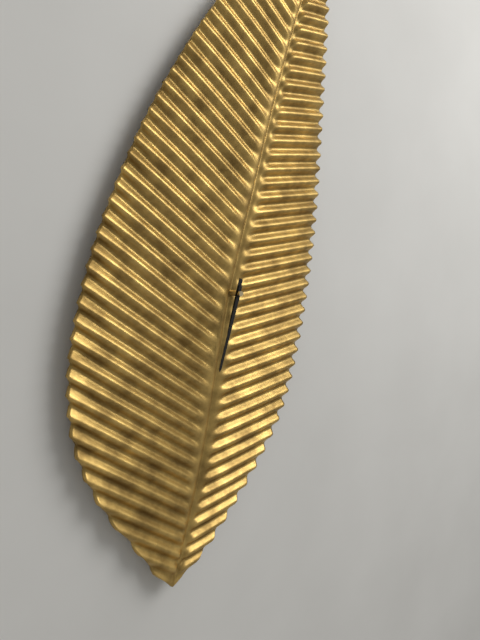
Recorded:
6 h 33 min
